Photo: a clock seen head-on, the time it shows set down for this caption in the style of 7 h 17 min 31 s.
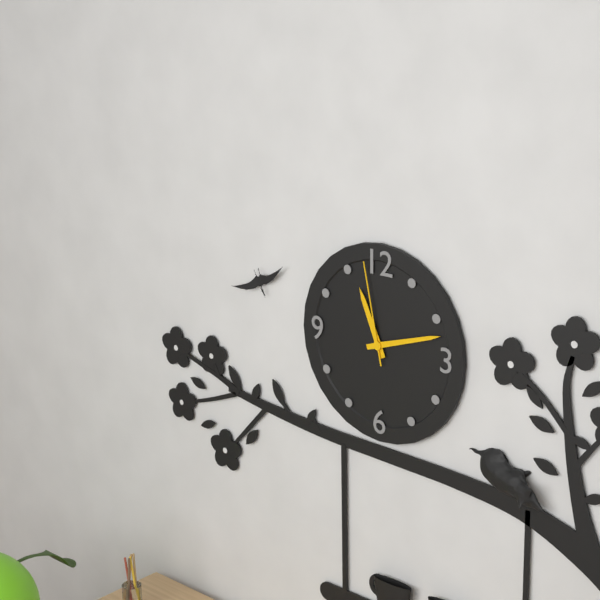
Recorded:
11 h 12 min 58 s
